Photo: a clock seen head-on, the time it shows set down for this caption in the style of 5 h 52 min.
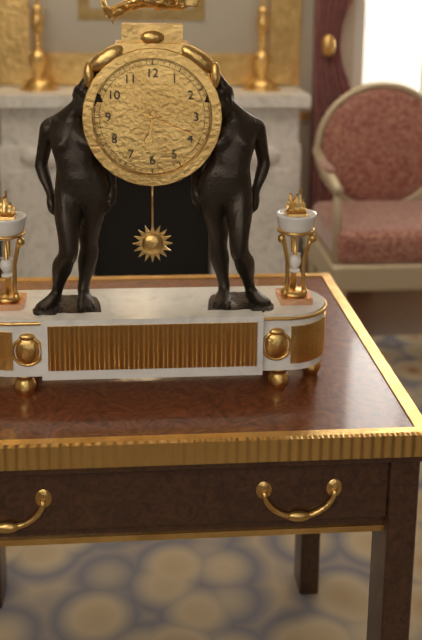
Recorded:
6 h 19 min
